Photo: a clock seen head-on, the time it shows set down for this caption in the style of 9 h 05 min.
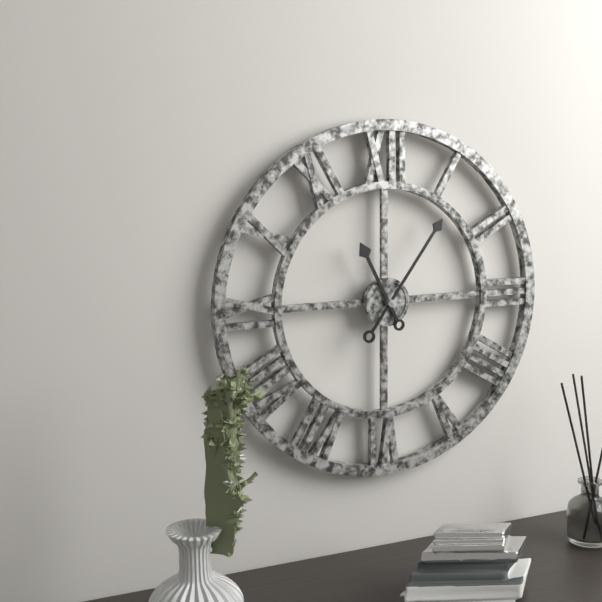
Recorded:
11 h 06 min
